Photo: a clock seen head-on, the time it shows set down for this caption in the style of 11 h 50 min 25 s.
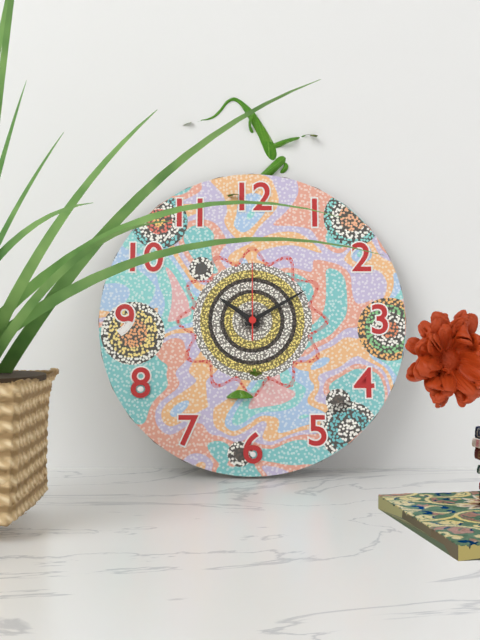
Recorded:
10 h 10 min 00 s
